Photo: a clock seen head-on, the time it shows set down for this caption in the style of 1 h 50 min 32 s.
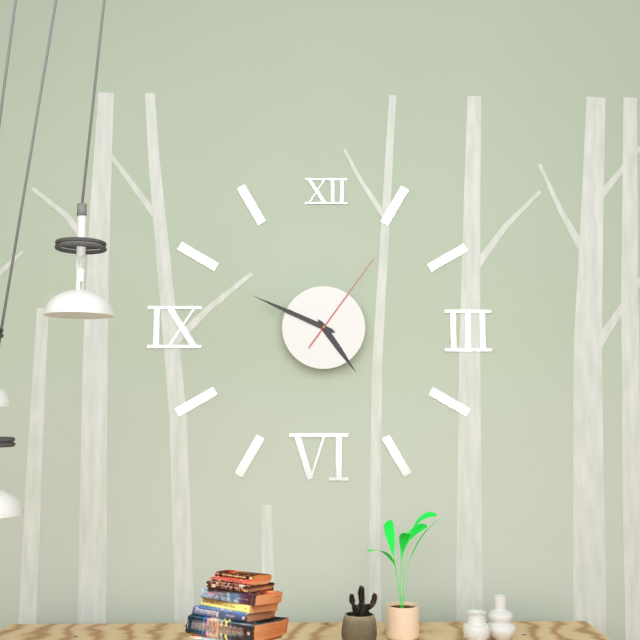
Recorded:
4 h 49 min 06 s
